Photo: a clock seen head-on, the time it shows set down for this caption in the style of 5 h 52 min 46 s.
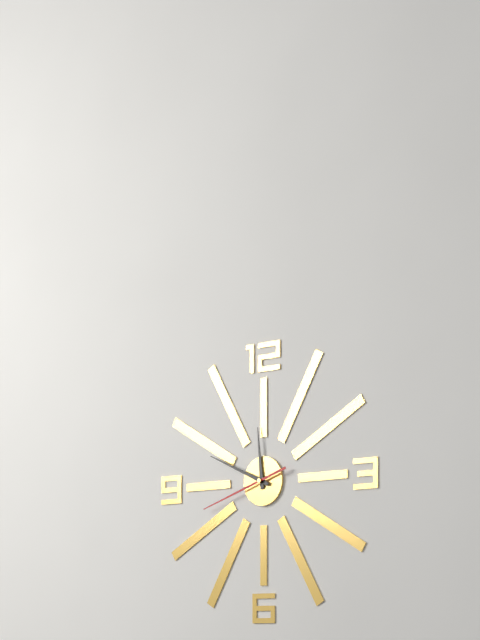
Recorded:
11 h 49 min 42 s
